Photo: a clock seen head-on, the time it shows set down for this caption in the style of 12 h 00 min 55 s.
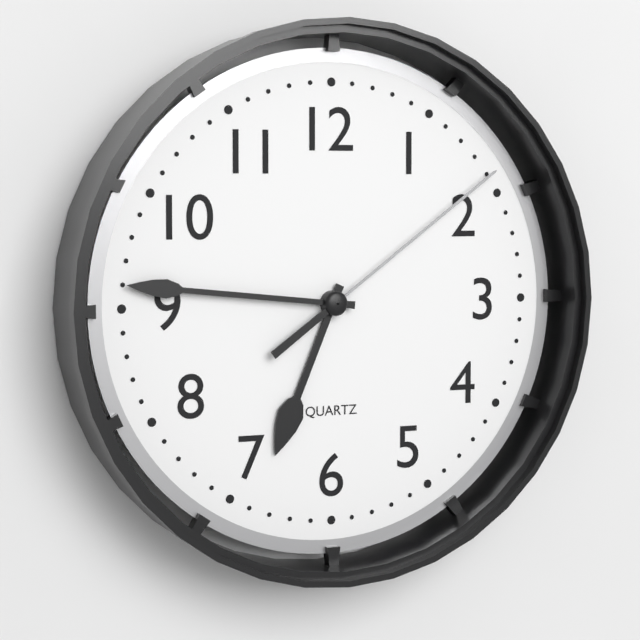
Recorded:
6 h 46 min 09 s
